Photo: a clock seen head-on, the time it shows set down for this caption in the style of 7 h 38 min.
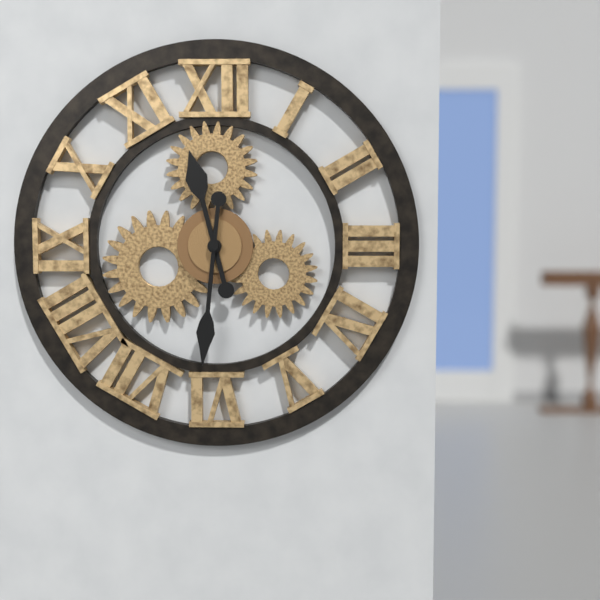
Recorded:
11 h 31 min
